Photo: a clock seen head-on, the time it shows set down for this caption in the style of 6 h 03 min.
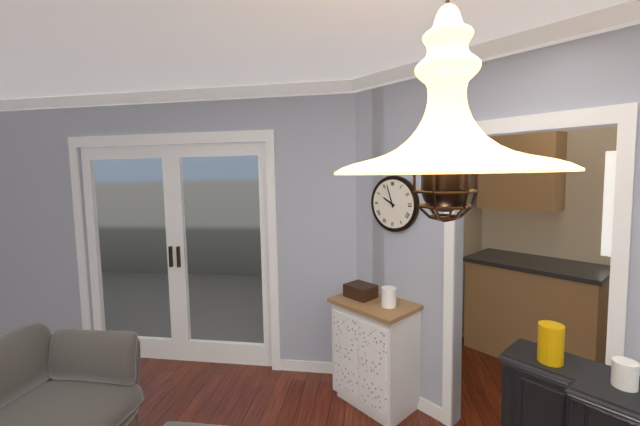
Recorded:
9 h 57 min
